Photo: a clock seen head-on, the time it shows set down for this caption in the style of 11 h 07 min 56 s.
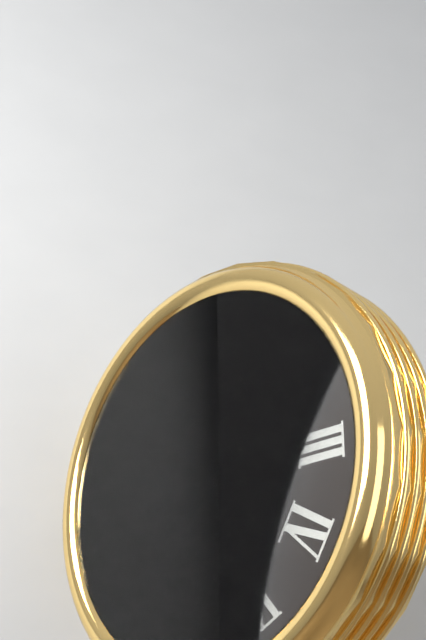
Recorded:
11 h 26 min 45 s
